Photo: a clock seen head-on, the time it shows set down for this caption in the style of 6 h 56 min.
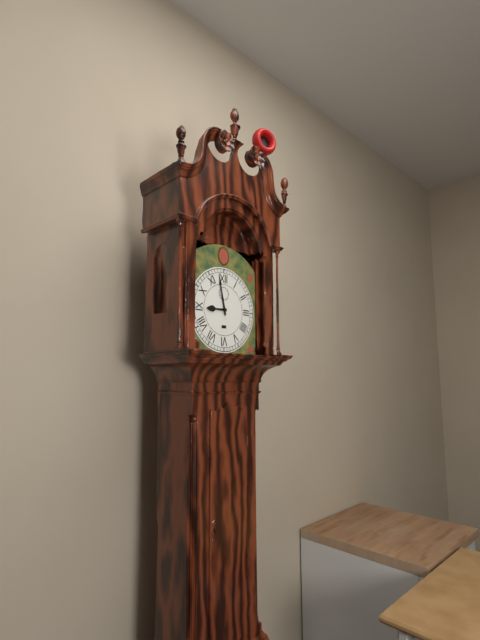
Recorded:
8 h 58 min
